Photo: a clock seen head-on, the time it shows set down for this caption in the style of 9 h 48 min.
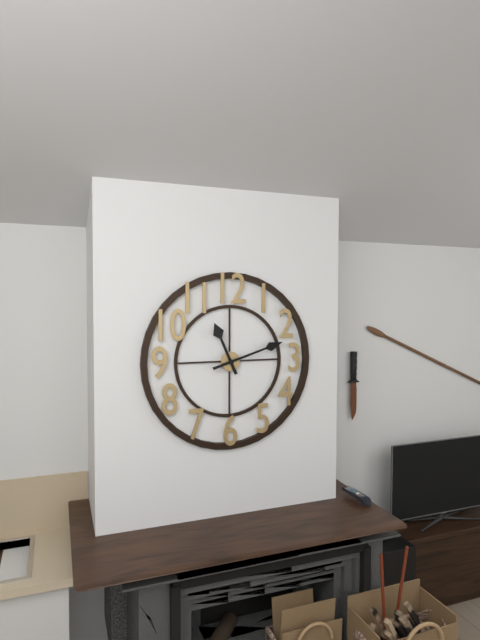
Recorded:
11 h 12 min
